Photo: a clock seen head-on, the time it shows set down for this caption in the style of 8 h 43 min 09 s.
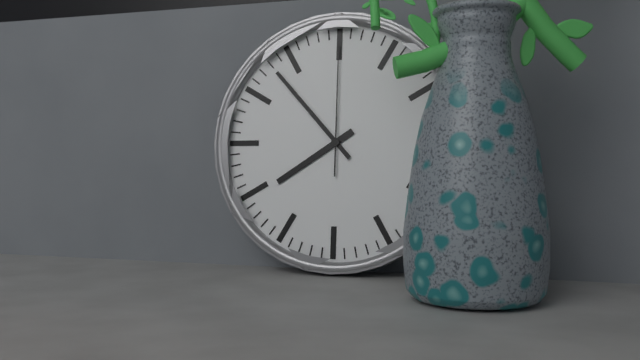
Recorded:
7 h 53 min 00 s
